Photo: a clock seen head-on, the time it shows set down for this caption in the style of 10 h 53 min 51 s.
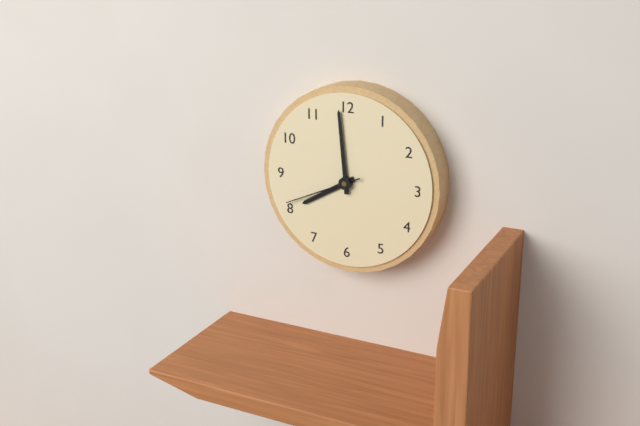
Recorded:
7 h 59 min 41 s
